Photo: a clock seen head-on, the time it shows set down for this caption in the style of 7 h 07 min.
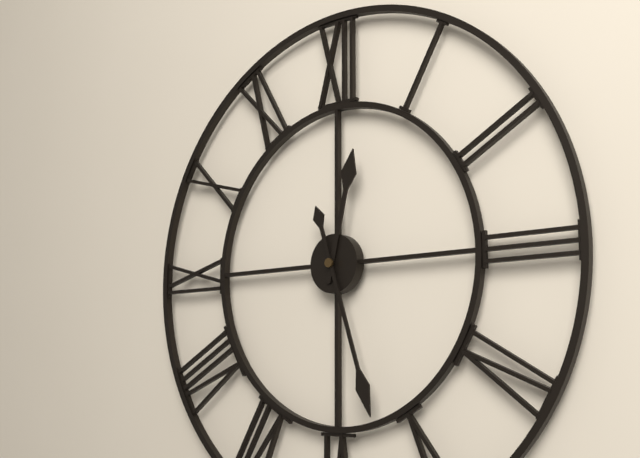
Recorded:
12 h 27 min
